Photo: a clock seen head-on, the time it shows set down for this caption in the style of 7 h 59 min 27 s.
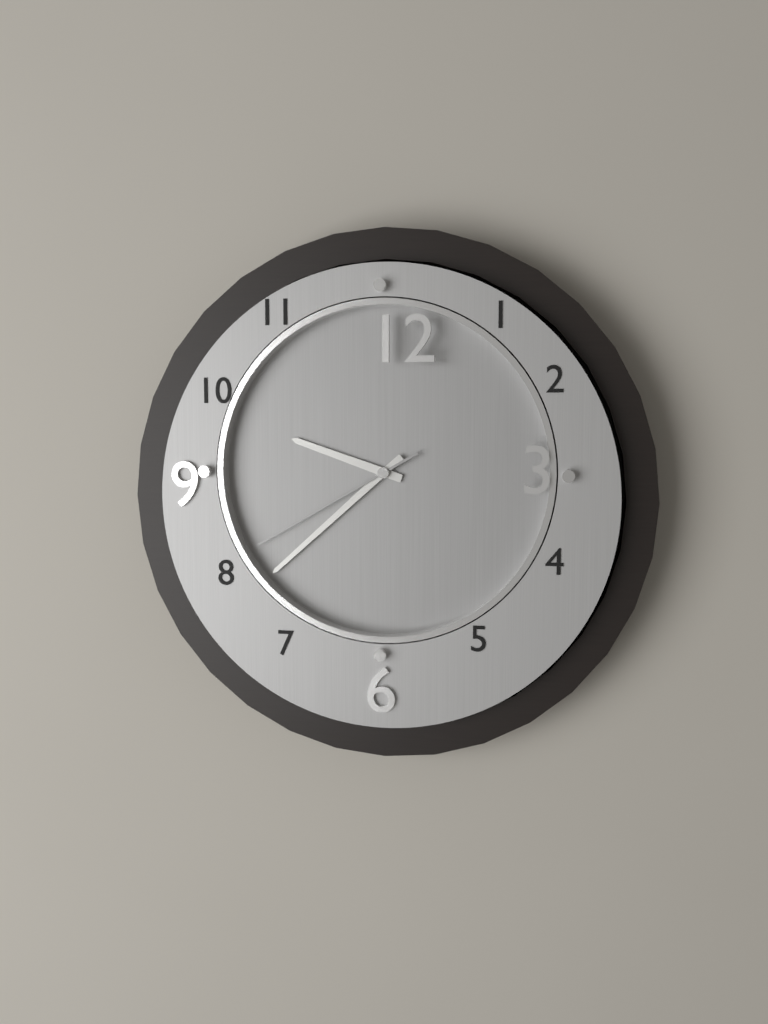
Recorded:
9 h 38 min 40 s
